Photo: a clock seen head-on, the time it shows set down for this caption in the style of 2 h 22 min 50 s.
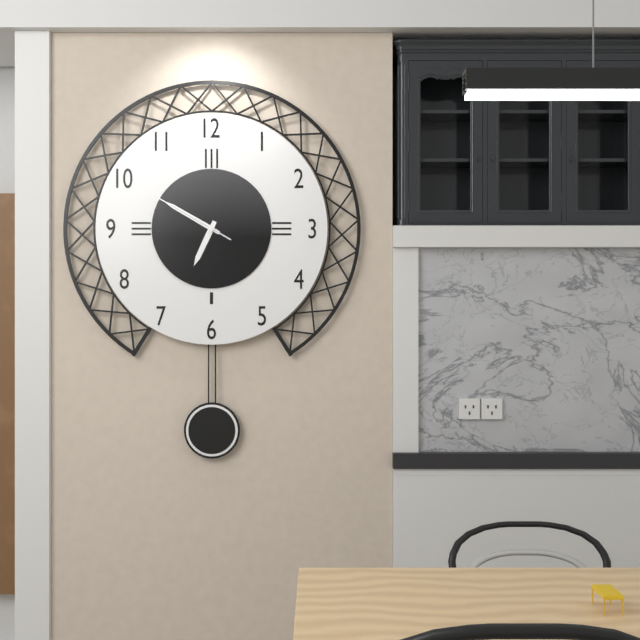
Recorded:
6 h 50 min 50 s
